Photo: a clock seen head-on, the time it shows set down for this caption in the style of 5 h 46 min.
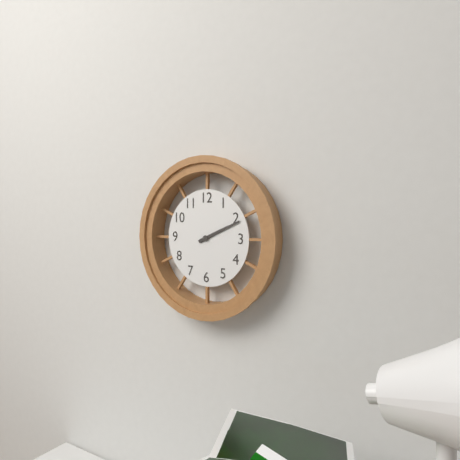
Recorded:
2 h 11 min
